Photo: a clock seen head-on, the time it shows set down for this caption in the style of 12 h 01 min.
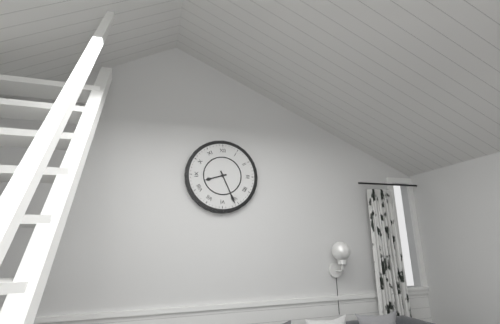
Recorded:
8 h 26 min
